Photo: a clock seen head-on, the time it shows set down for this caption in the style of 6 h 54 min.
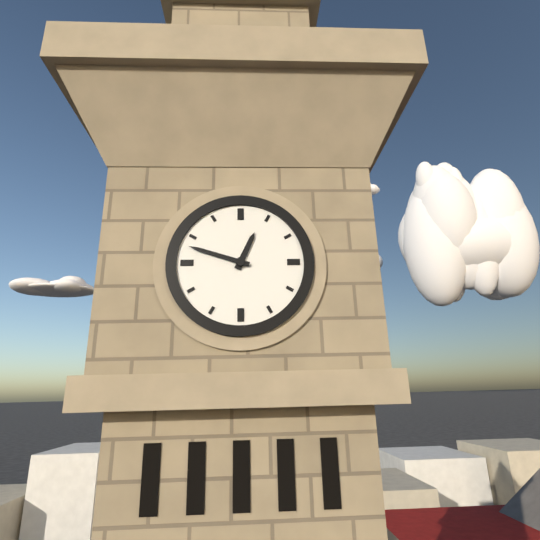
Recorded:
12 h 48 min
